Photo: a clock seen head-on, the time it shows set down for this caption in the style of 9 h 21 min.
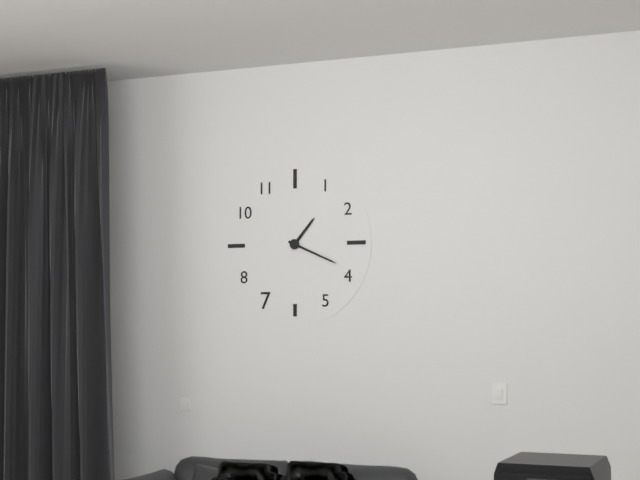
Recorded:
1 h 19 min
